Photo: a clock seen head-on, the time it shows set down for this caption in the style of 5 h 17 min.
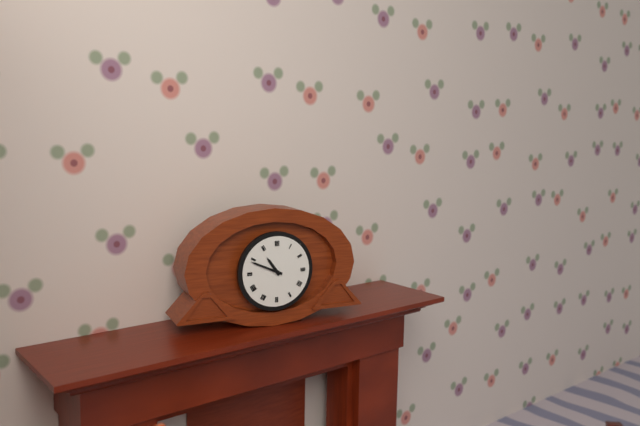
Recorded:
10 h 49 min
